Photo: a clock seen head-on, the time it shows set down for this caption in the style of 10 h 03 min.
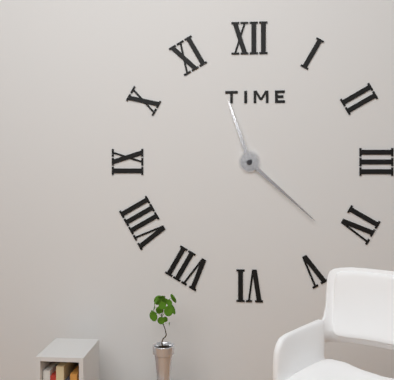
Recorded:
11 h 22 min
